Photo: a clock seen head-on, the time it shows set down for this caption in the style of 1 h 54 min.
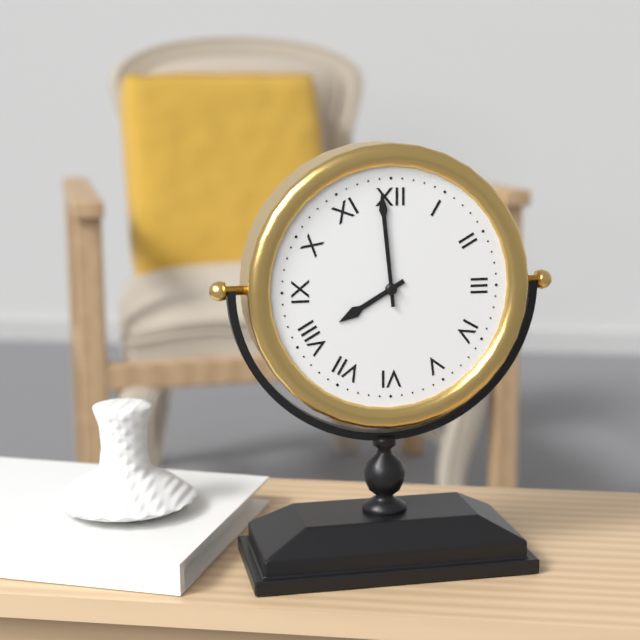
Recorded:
7 h 59 min
